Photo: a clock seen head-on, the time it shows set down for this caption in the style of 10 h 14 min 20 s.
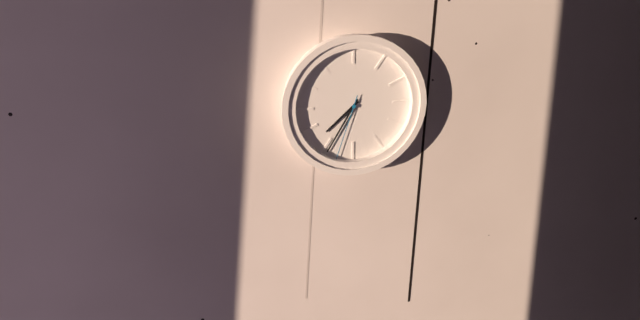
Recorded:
7 h 35 min 33 s
